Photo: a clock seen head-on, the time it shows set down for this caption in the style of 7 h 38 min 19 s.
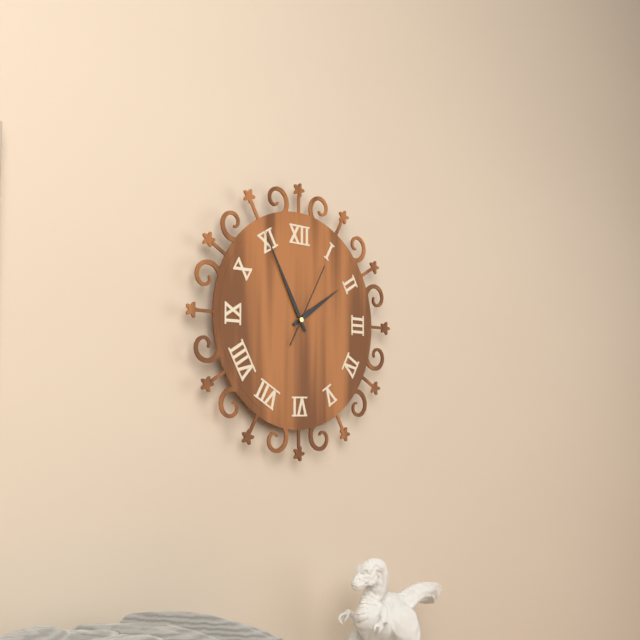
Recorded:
1 h 55 min 05 s
